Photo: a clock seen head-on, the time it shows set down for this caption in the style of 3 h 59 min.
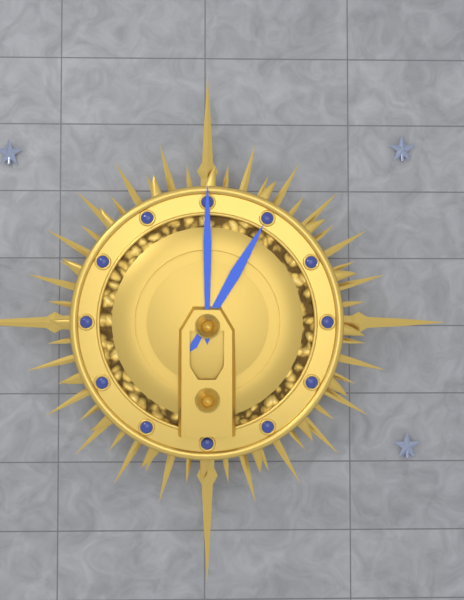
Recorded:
1 h 00 min
